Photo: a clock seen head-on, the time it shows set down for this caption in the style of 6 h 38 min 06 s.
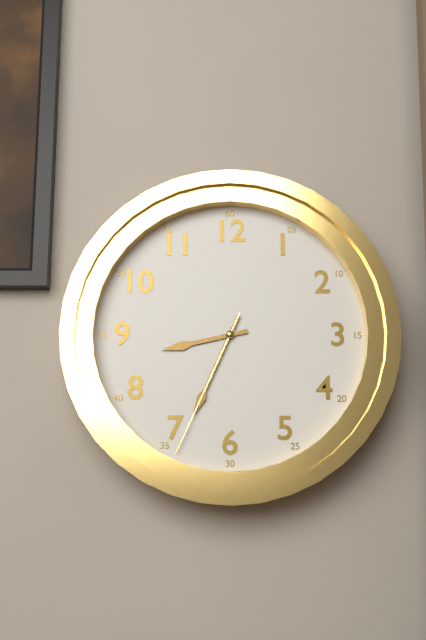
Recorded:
8 h 34 min 34 s
